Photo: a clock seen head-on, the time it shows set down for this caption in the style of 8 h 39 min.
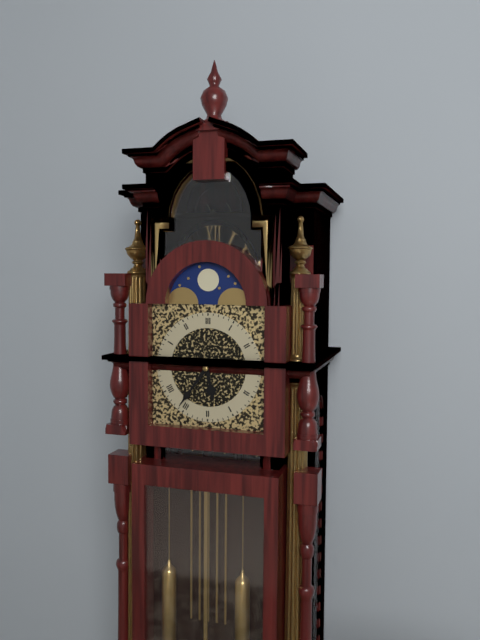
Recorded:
5 h 36 min
